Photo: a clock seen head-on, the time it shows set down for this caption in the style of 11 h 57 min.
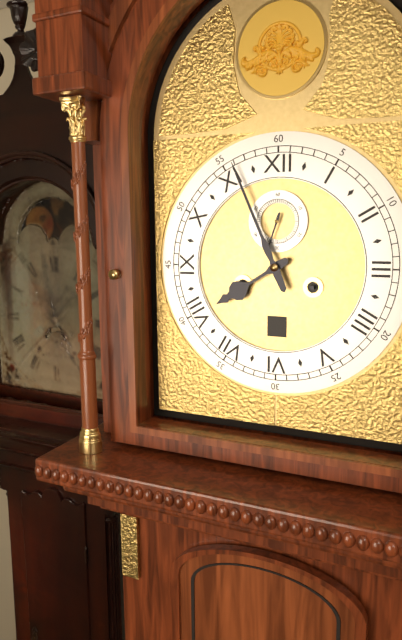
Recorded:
7 h 56 min
